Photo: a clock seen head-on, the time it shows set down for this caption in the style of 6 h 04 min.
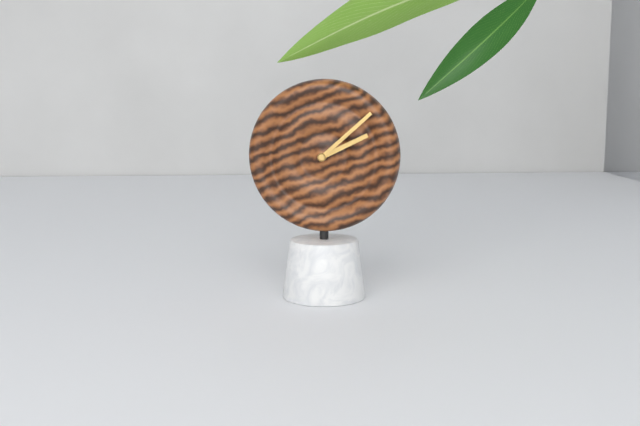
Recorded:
2 h 08 min
